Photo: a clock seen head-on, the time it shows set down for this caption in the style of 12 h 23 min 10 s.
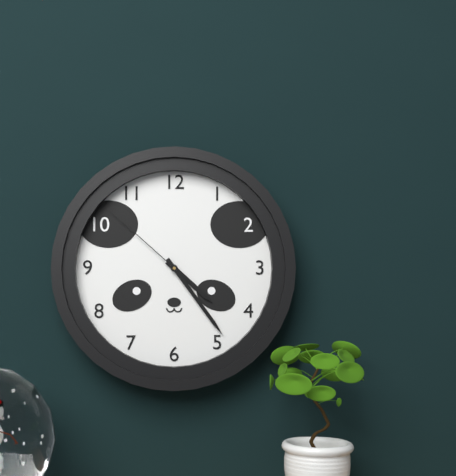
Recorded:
4 h 24 min 52 s
